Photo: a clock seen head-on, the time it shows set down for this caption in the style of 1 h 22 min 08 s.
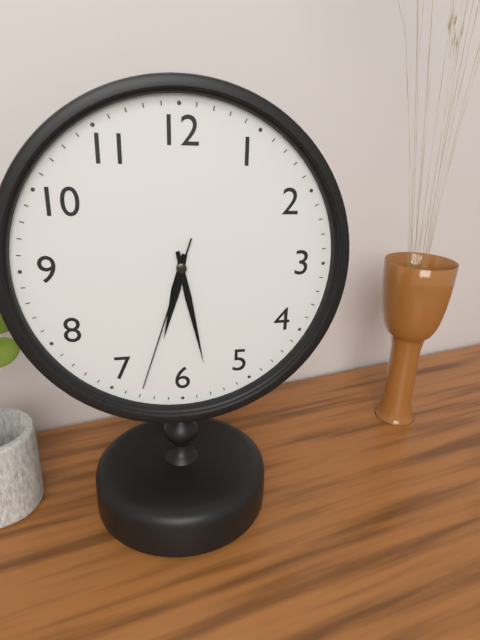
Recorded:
6 h 28 min 33 s
